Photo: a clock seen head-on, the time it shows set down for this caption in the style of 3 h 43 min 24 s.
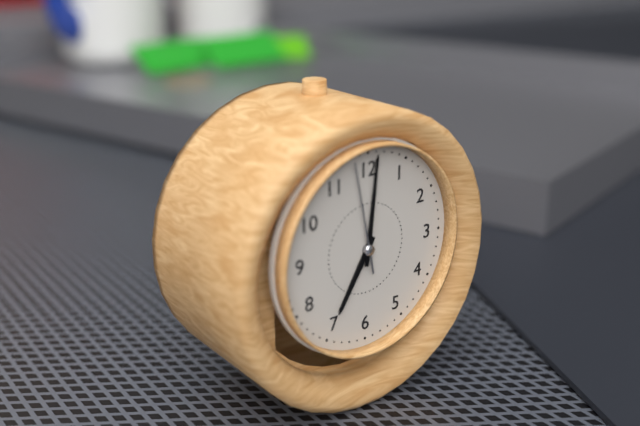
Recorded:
7 h 01 min 58 s
